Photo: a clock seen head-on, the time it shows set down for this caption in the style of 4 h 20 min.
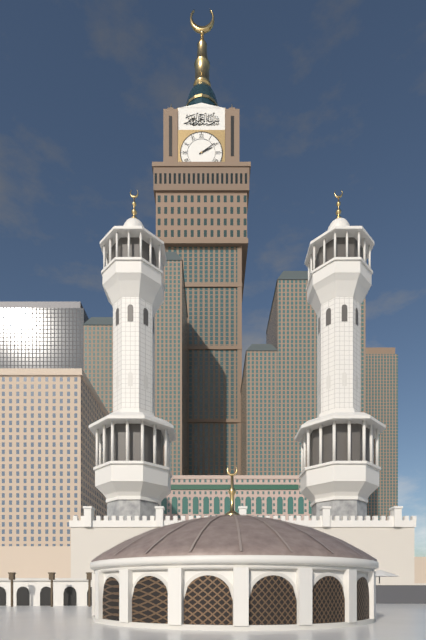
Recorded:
2 h 09 min
